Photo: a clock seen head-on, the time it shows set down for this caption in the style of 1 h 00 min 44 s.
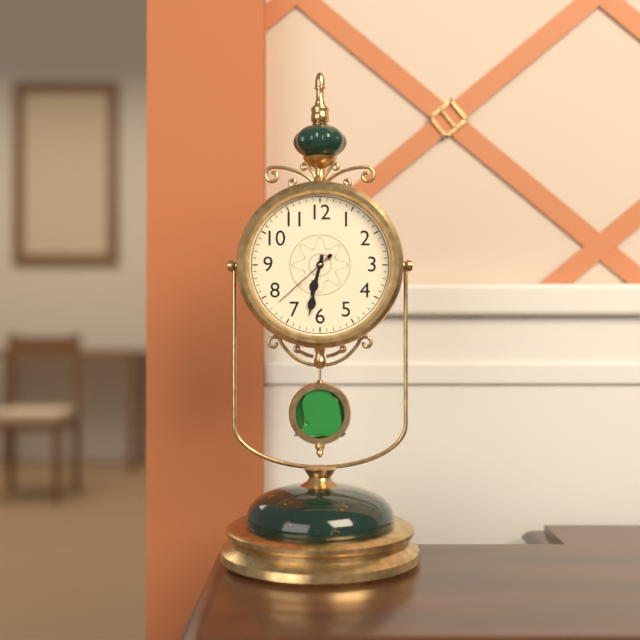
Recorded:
6 h 32 min 38 s
